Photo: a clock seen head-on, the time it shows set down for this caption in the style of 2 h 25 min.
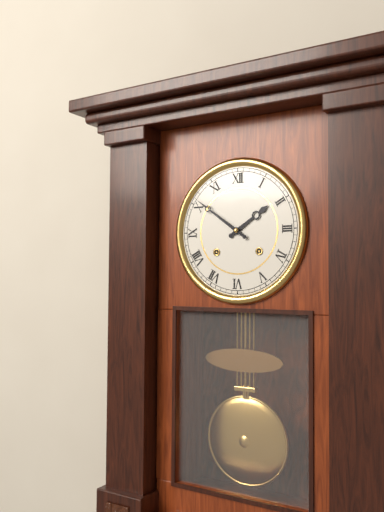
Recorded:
1 h 51 min
